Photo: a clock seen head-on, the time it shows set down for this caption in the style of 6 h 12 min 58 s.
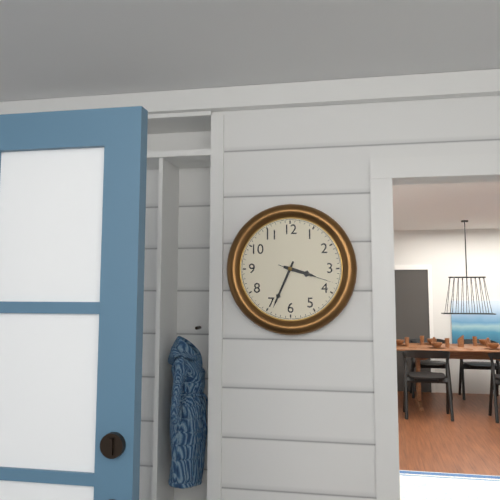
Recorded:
3 h 34 min 18 s
